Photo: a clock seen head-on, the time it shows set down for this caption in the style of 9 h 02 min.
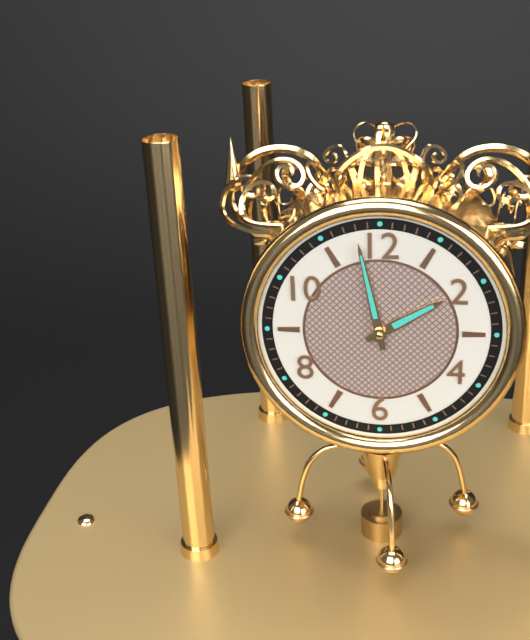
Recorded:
1 h 58 min
